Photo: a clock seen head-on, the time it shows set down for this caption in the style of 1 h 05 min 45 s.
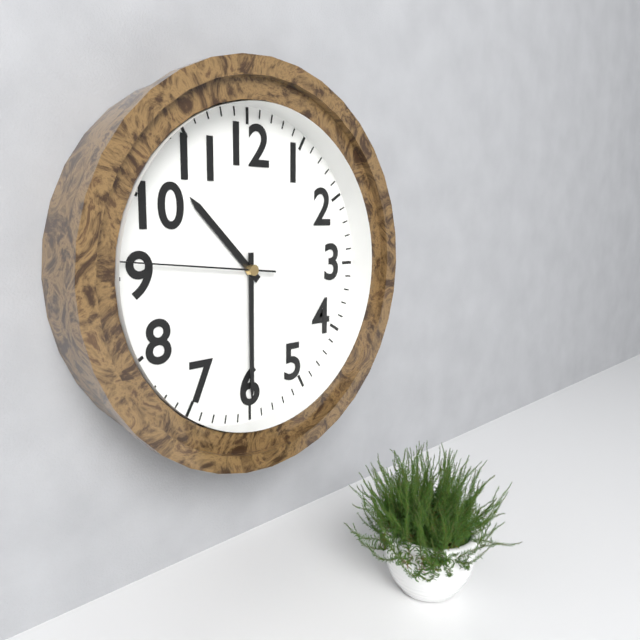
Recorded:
10 h 30 min 46 s
